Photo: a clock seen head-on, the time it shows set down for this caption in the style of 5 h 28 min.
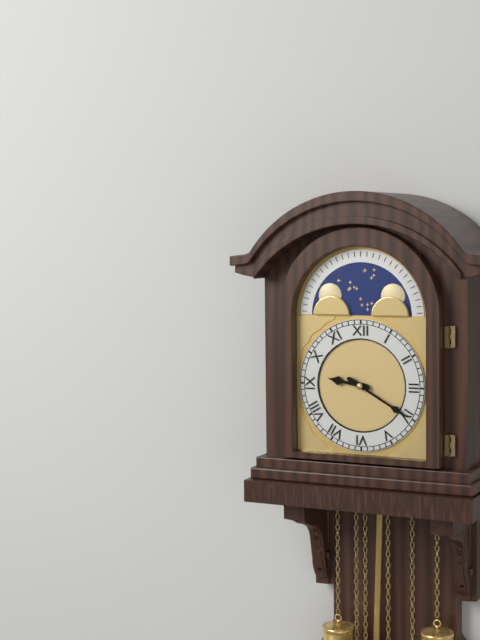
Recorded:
9 h 20 min
